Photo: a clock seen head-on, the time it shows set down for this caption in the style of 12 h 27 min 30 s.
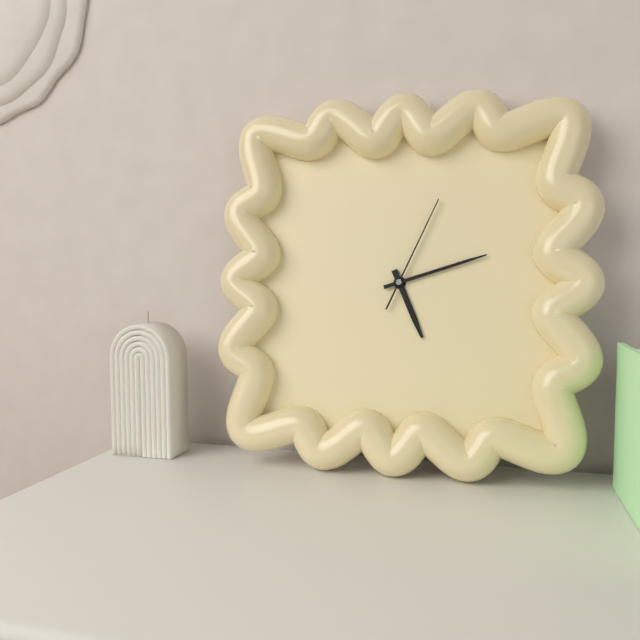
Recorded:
5 h 12 min 04 s
